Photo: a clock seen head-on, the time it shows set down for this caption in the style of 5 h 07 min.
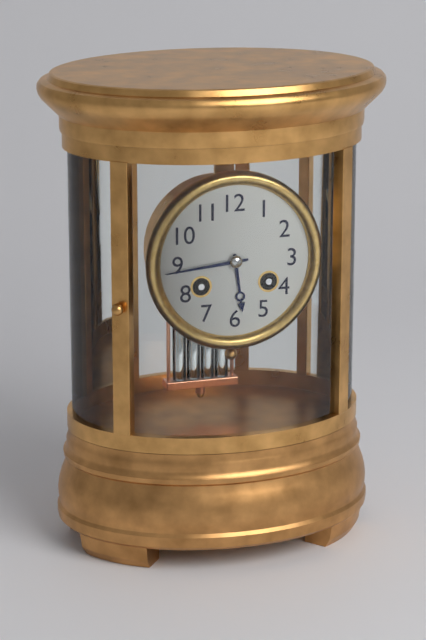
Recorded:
5 h 44 min
